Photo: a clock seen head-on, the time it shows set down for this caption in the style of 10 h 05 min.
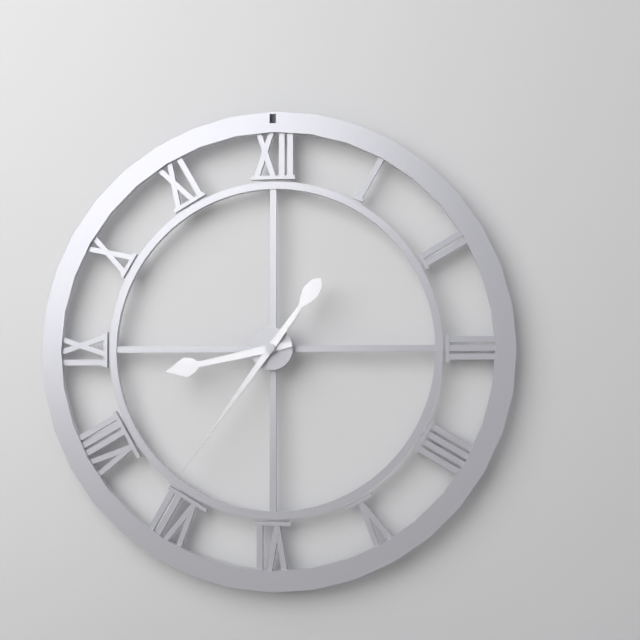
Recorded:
8 h 36 min
